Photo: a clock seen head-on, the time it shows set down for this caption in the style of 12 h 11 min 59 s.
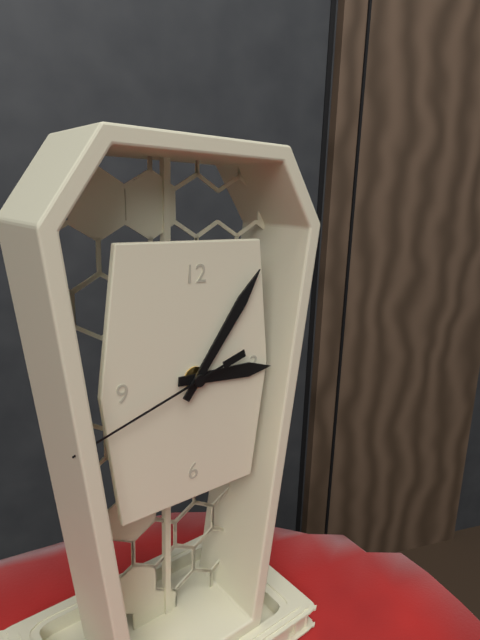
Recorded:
3 h 06 min 42 s
